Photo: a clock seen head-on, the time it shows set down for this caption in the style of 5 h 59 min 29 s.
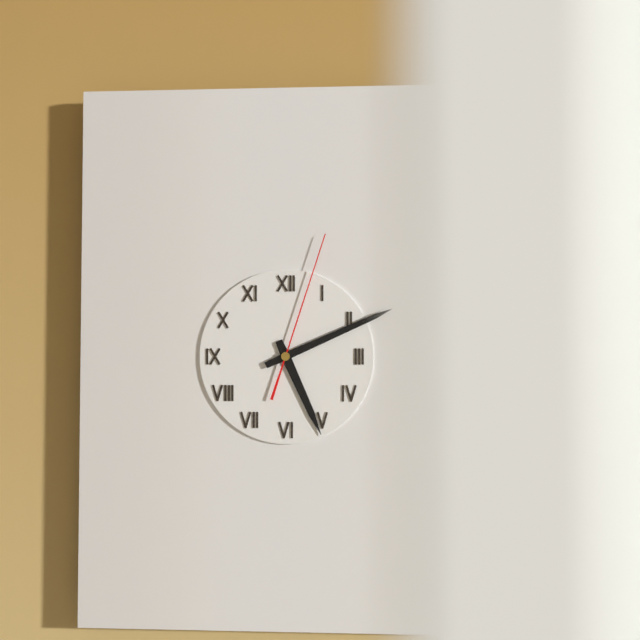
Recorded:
5 h 11 min 03 s
